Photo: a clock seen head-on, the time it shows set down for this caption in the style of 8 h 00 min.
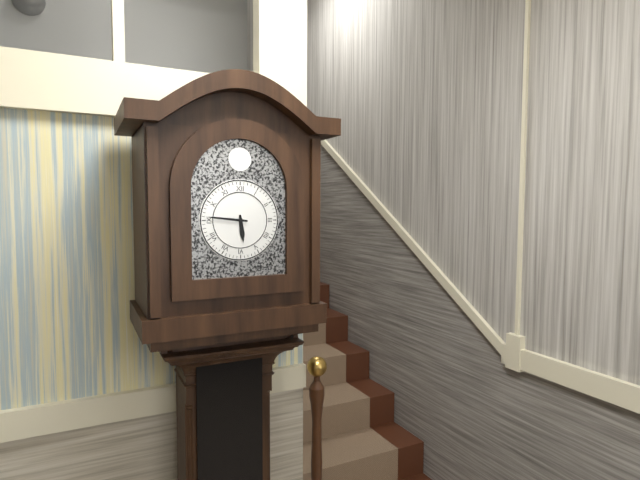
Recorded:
5 h 46 min
